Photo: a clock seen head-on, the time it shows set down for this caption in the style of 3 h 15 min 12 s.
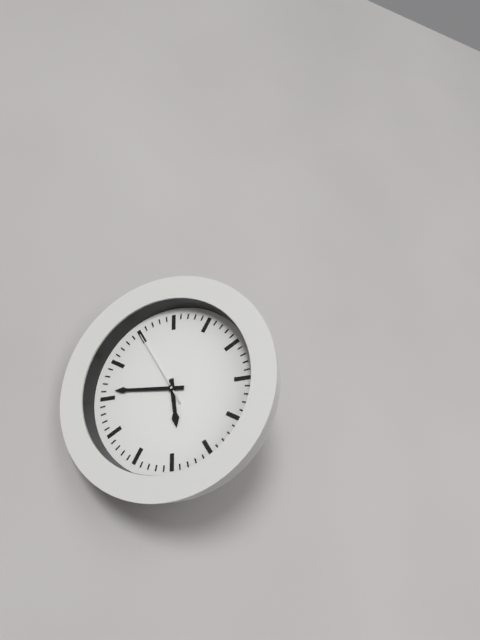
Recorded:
5 h 46 min 55 s
